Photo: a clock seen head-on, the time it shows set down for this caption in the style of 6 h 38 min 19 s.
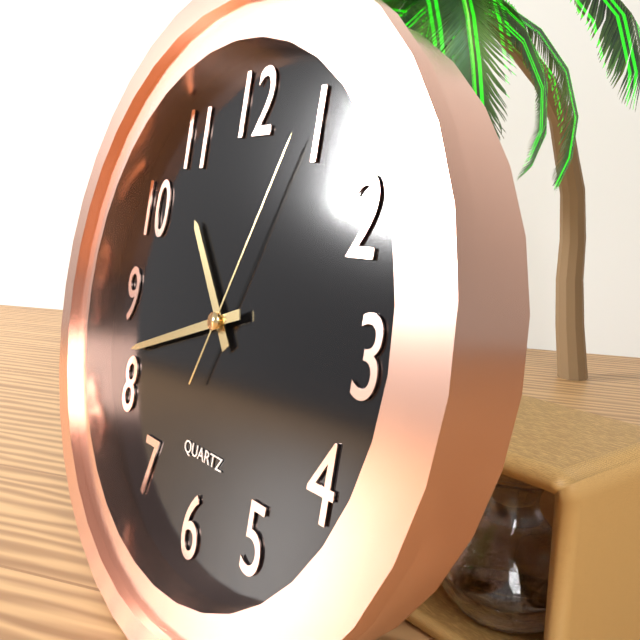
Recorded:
10 h 42 min 04 s
